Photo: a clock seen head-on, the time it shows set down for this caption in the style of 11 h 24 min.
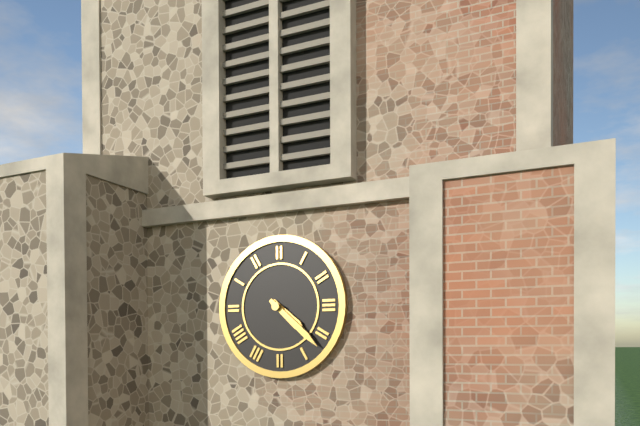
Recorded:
4 h 22 min
